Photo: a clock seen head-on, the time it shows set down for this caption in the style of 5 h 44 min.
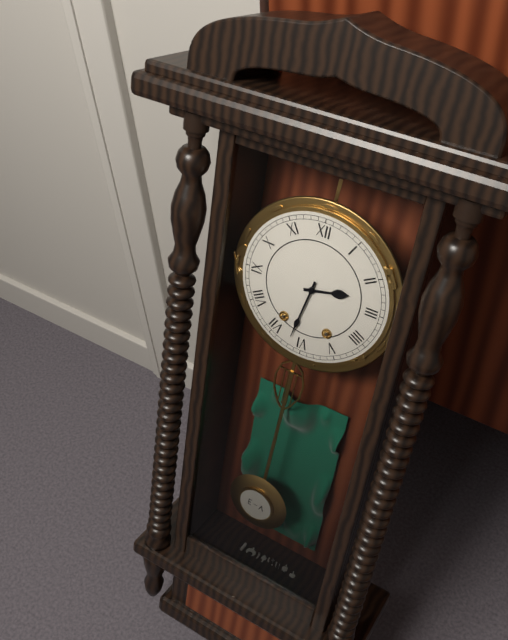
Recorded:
2 h 32 min
